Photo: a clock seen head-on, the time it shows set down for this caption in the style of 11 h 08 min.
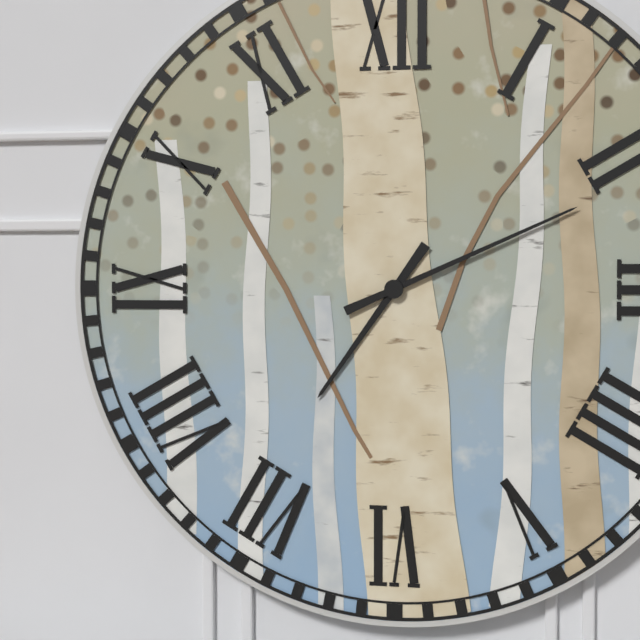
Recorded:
7 h 11 min
